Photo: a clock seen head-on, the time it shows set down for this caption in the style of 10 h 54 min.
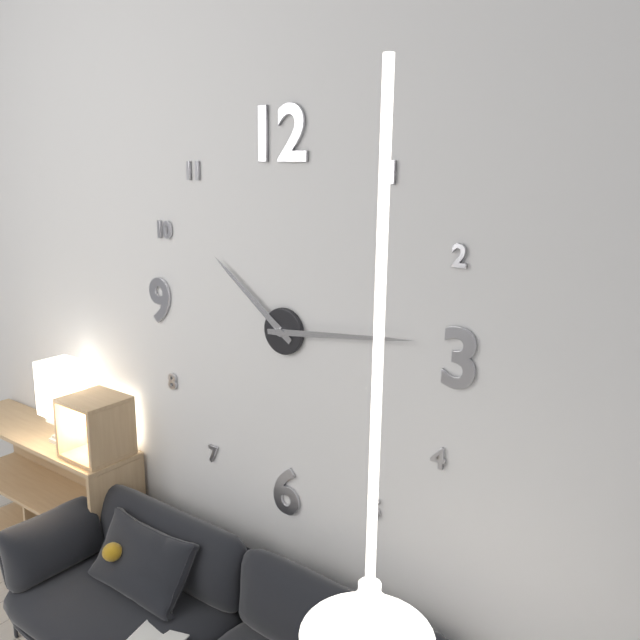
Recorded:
10 h 14 min
